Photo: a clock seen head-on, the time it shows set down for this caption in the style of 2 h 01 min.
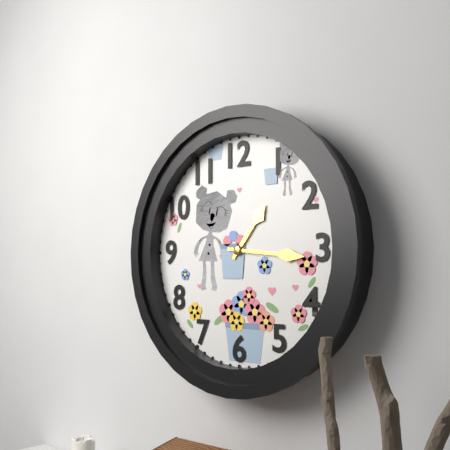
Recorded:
1 h 16 min
